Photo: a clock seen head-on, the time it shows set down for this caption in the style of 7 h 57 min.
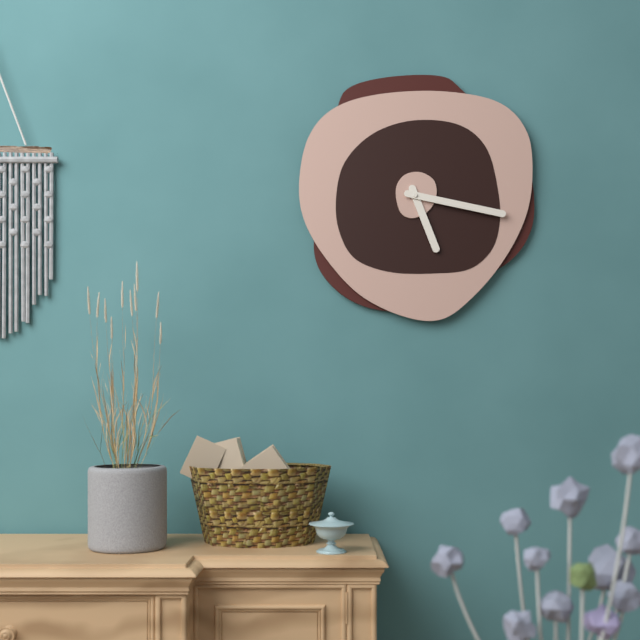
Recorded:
5 h 17 min
